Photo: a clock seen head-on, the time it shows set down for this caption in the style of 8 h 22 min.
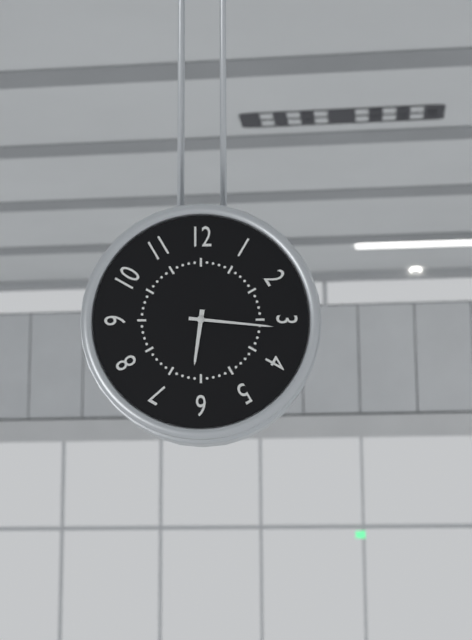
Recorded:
6 h 16 min
